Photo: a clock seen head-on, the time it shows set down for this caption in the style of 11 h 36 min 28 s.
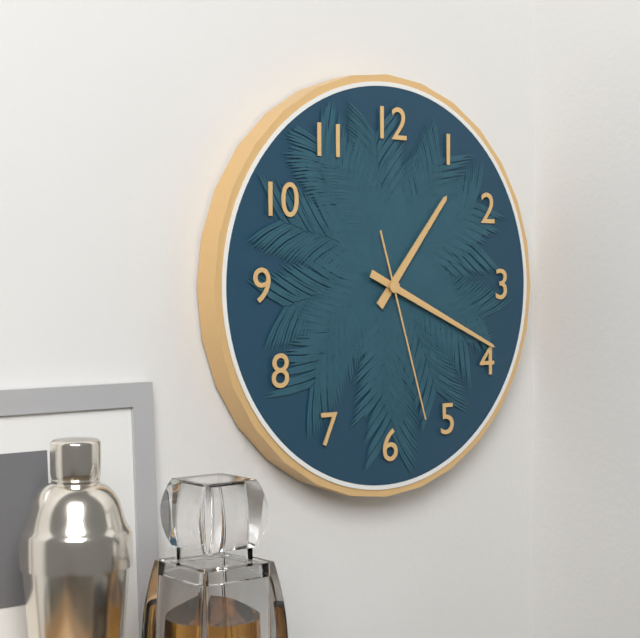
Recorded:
1 h 19 min 27 s
